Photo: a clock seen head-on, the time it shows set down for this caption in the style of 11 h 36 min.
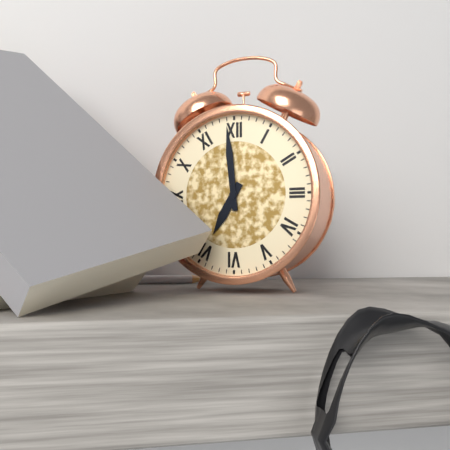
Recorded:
6 h 59 min
